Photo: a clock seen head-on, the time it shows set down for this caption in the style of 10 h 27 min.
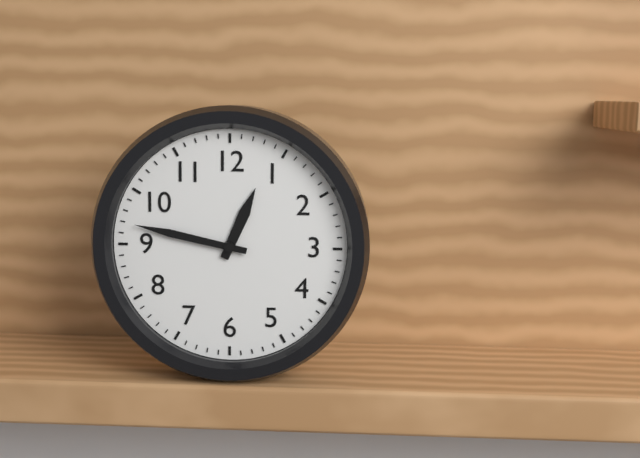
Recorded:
12 h 47 min
